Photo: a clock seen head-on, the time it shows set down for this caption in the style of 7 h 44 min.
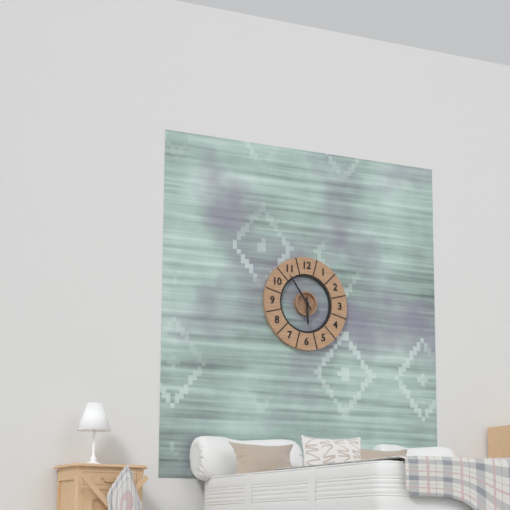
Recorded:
5 h 54 min
